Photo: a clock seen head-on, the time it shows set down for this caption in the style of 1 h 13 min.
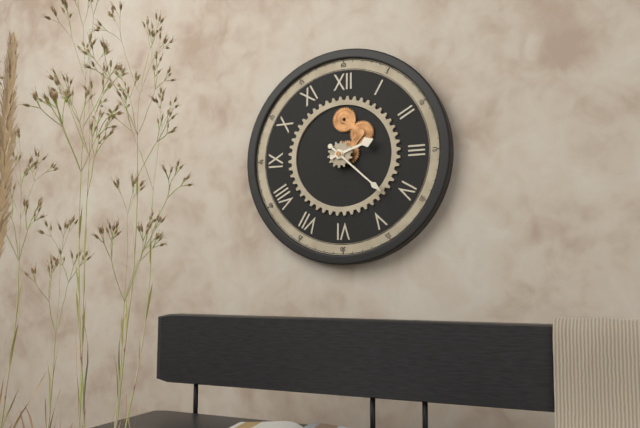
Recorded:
2 h 22 min
